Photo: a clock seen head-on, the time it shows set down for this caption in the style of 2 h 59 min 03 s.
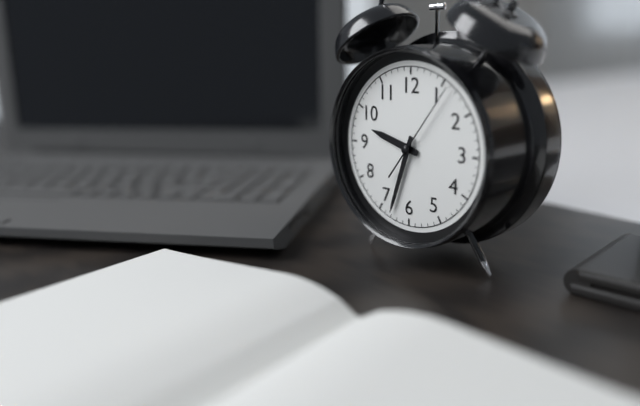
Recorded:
9 h 33 min 06 s
